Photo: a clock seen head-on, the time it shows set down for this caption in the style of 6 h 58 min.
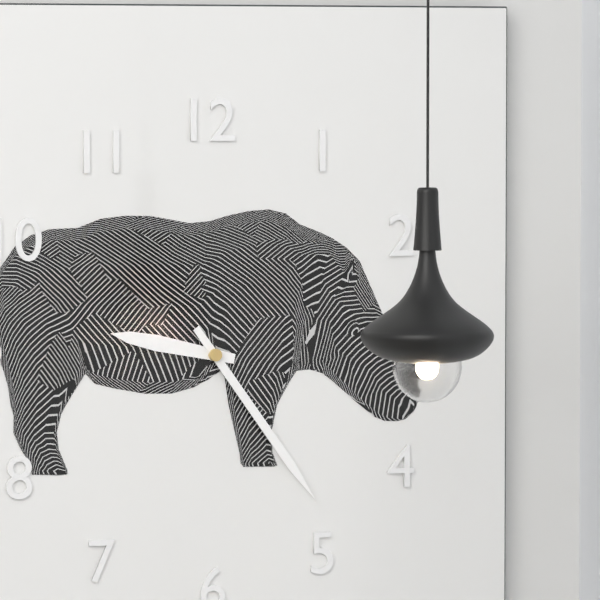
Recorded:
9 h 24 min
